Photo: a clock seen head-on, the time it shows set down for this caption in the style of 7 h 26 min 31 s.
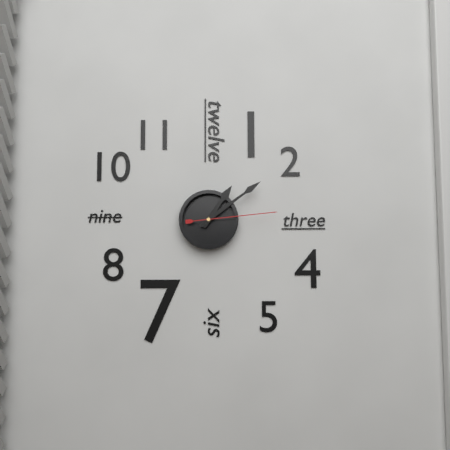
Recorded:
1 h 09 min 14 s
